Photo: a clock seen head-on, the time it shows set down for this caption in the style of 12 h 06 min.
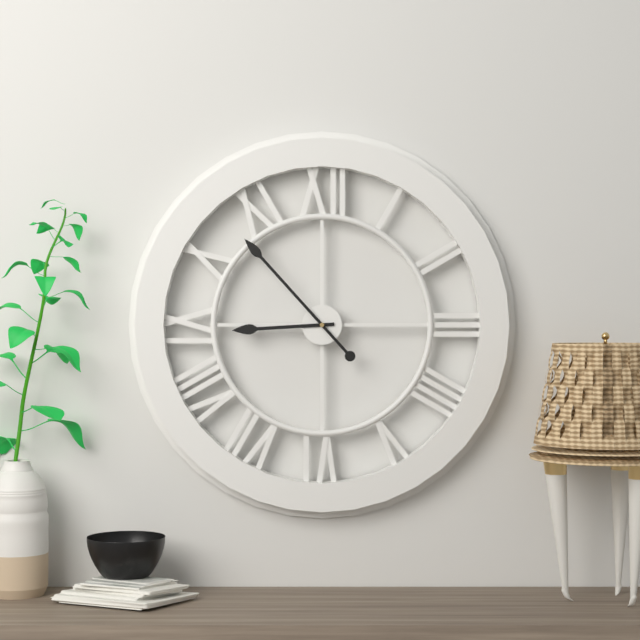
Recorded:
8 h 53 min
